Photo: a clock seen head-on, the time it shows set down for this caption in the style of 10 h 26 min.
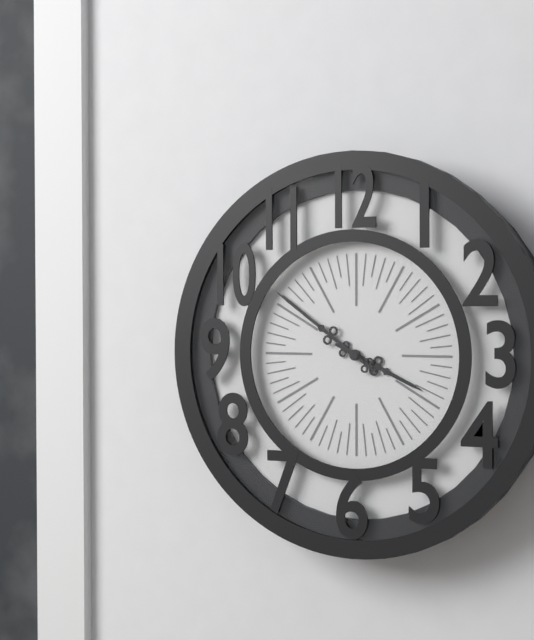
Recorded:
3 h 51 min
